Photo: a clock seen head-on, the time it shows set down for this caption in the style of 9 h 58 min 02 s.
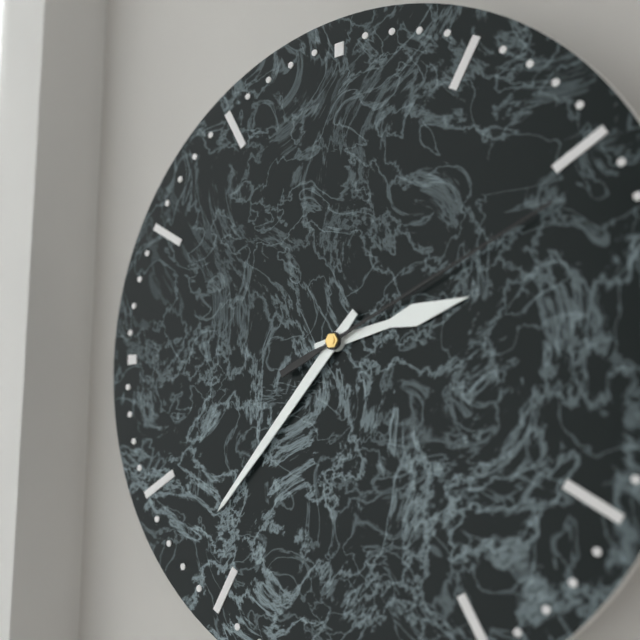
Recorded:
2 h 37 min 11 s
